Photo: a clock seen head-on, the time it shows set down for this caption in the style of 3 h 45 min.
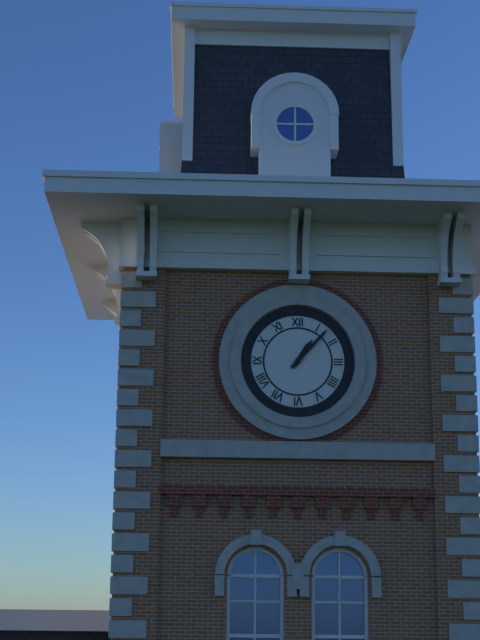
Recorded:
1 h 07 min
